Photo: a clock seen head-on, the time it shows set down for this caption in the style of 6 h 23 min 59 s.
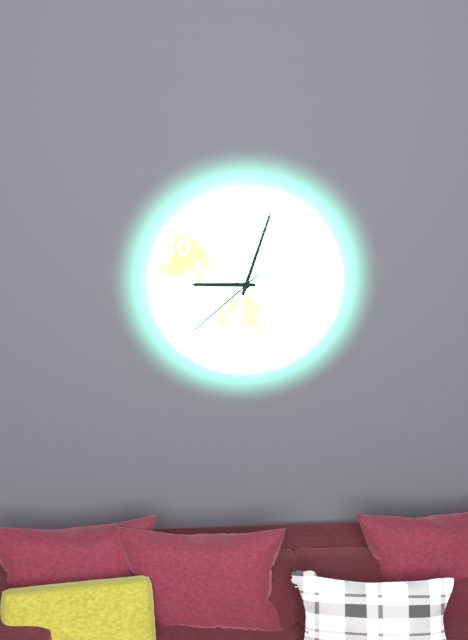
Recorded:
9 h 03 min 38 s
